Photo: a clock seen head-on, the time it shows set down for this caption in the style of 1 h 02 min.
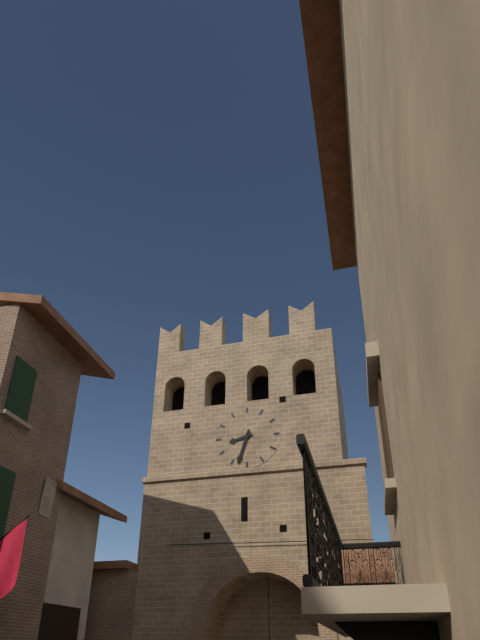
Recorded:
8 h 33 min
